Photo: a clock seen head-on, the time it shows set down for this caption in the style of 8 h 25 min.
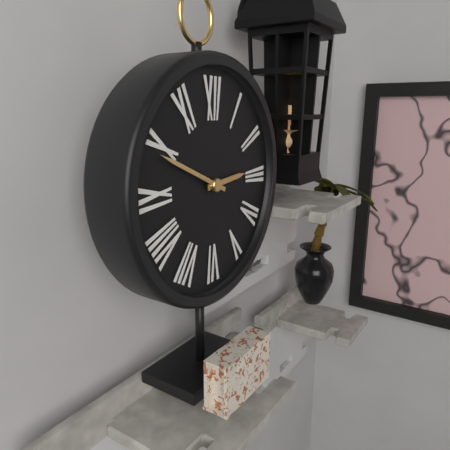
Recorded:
2 h 49 min
